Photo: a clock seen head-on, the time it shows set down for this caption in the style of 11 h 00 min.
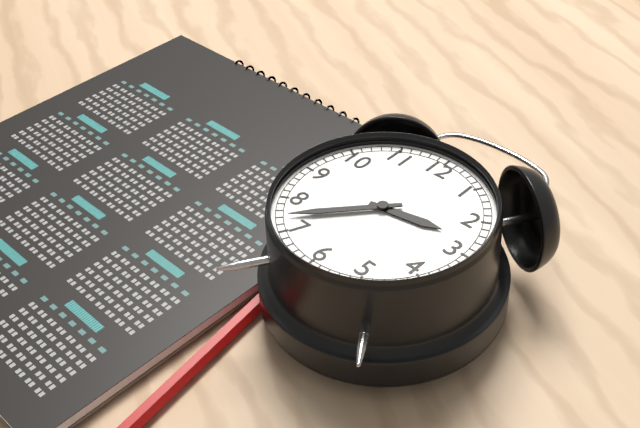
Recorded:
2 h 37 min
